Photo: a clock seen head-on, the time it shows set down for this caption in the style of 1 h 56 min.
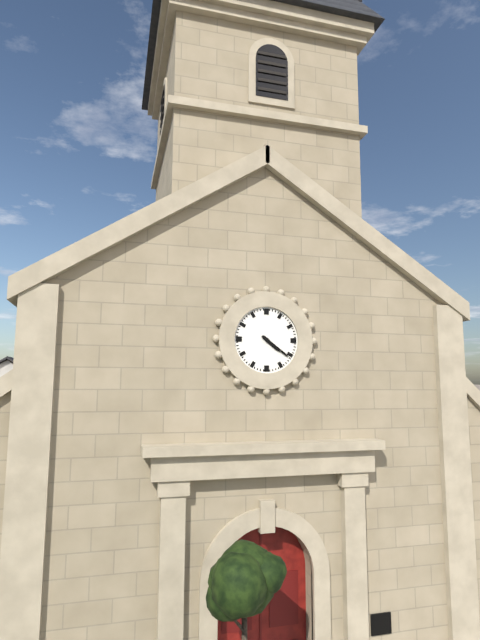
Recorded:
4 h 21 min
